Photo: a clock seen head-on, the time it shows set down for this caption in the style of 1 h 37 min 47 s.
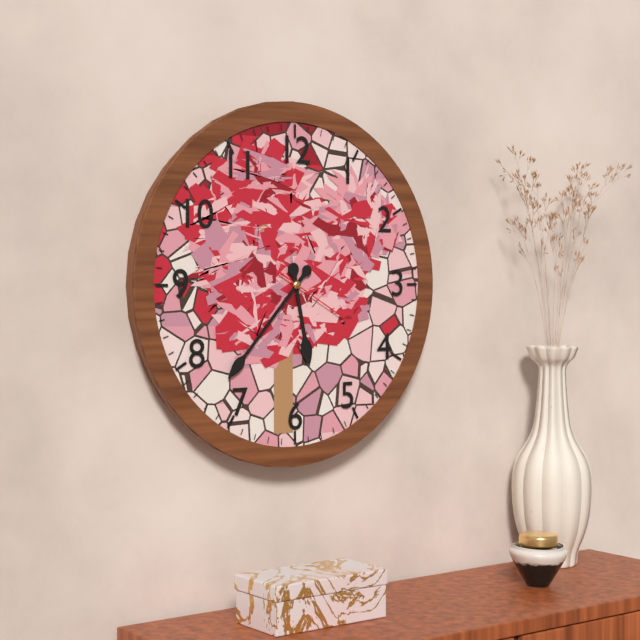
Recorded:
5 h 37 min 20 s
